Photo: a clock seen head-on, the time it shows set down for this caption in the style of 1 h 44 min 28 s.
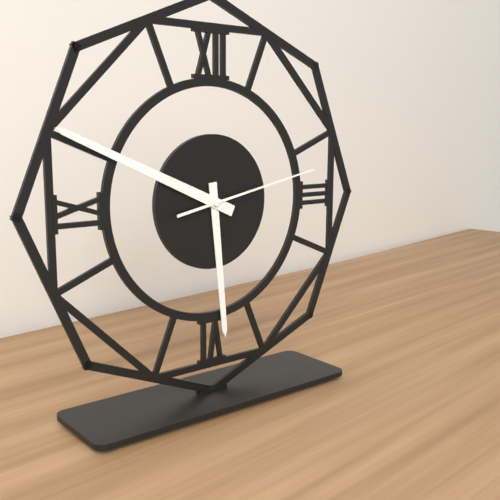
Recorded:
5 h 49 min 13 s
